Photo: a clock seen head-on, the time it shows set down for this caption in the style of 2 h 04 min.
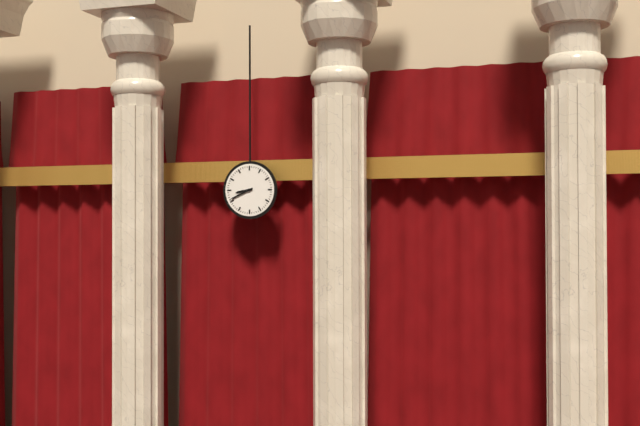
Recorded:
8 h 41 min
